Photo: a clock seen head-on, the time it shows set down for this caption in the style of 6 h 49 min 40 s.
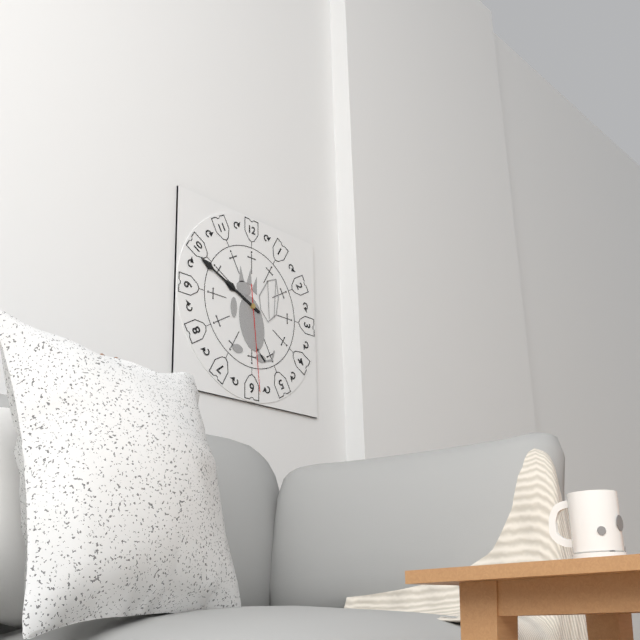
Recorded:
9 h 49 min 29 s
